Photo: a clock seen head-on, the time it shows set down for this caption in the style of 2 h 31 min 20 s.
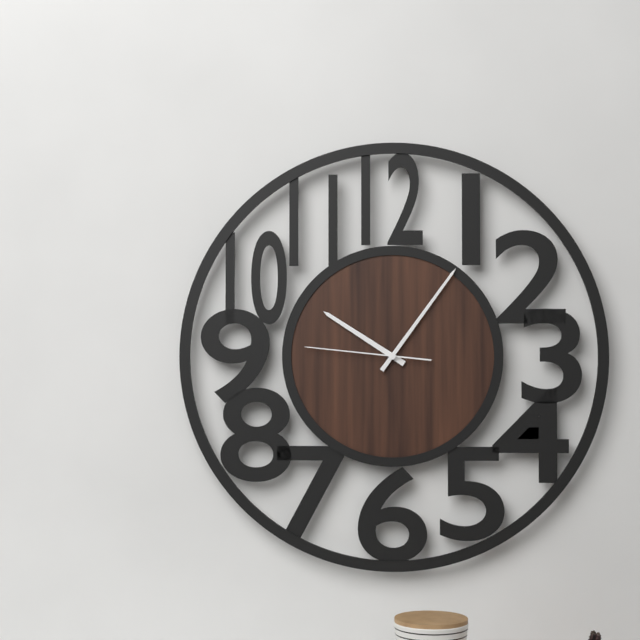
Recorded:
10 h 06 min 46 s
